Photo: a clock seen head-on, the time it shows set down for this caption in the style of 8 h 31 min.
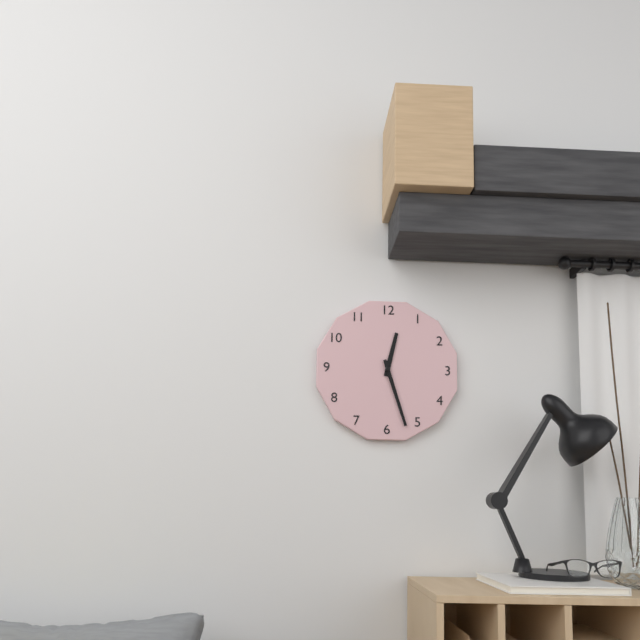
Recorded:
12 h 27 min
